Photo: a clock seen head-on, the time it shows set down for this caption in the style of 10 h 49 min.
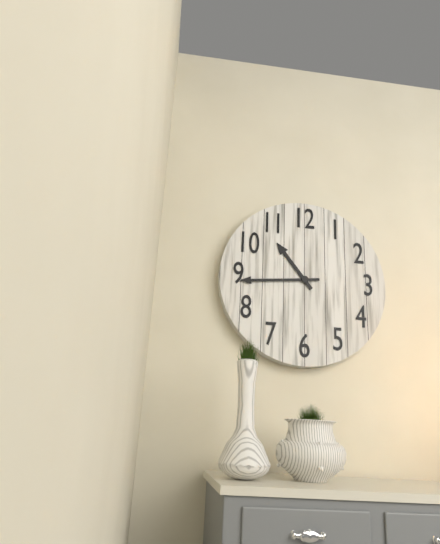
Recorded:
10 h 44 min
